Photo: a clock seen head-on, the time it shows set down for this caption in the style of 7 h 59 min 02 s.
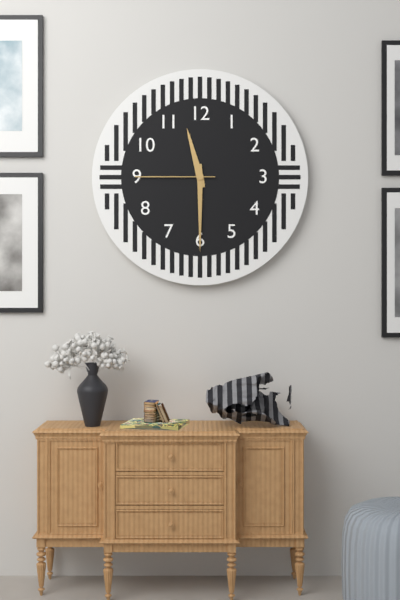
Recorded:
11 h 30 min 45 s
